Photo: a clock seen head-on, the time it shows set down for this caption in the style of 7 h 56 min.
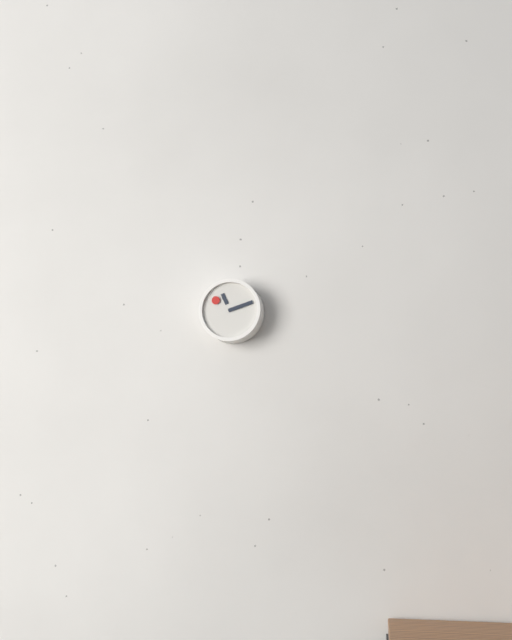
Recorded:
11 h 12 min
